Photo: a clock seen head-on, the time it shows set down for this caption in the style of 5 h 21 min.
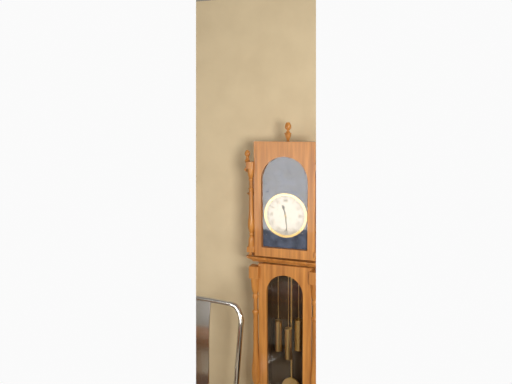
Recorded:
11 h 29 min
